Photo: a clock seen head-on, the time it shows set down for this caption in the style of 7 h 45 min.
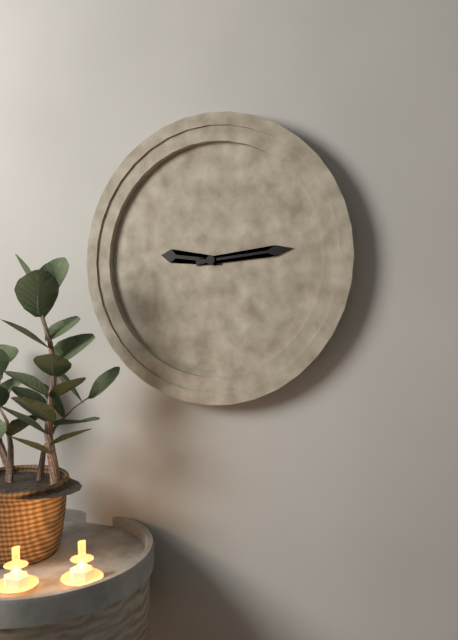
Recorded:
9 h 14 min
